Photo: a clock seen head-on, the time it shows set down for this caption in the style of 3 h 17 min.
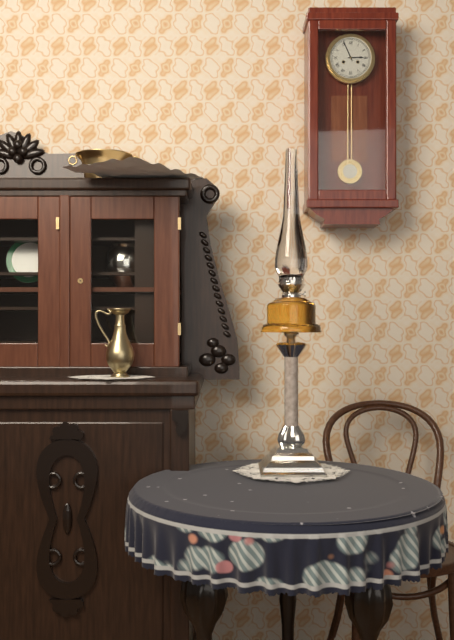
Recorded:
2 h 56 min
